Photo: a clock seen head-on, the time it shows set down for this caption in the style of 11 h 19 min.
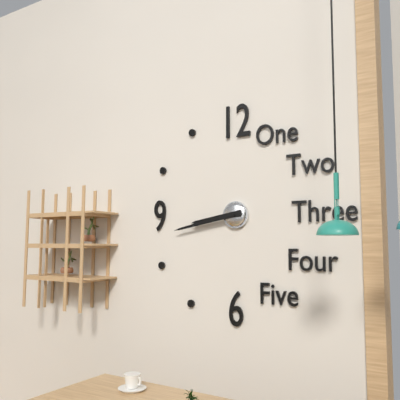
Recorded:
8 h 43 min
